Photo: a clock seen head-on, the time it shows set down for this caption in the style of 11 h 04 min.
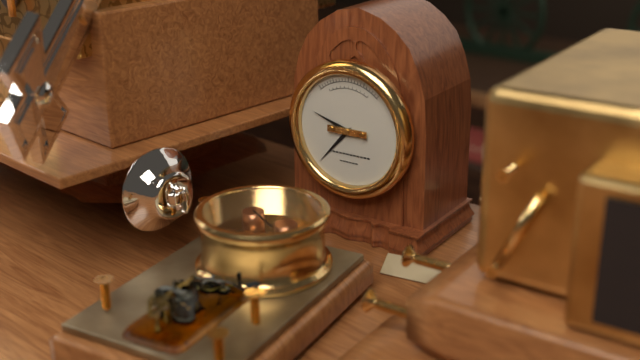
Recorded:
9 h 37 min
